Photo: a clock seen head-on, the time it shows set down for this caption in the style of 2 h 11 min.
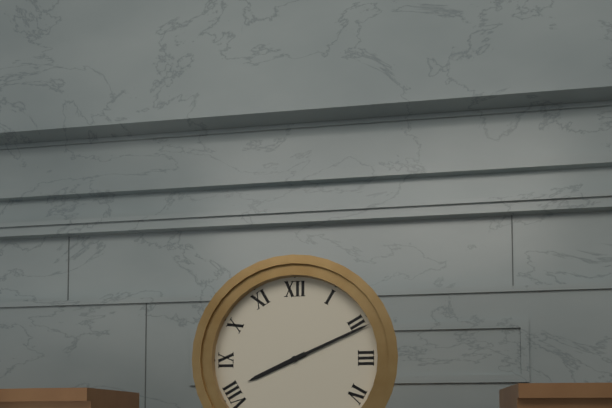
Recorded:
8 h 11 min
